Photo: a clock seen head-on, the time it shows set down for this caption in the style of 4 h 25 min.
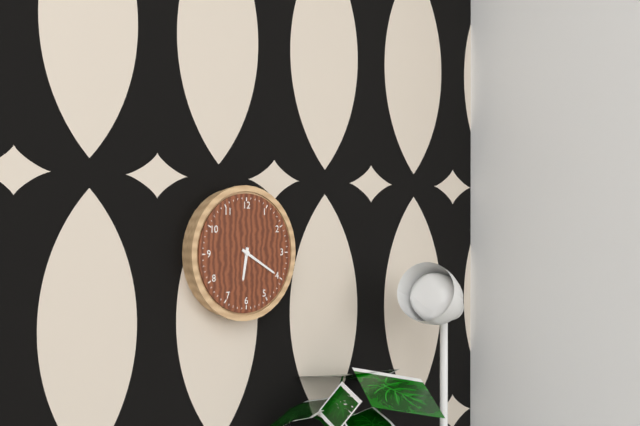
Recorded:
6 h 20 min
